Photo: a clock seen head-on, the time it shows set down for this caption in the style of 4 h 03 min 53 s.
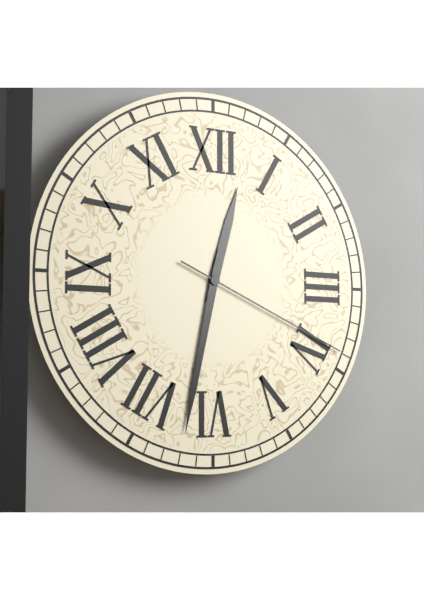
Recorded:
12 h 32 min 19 s
